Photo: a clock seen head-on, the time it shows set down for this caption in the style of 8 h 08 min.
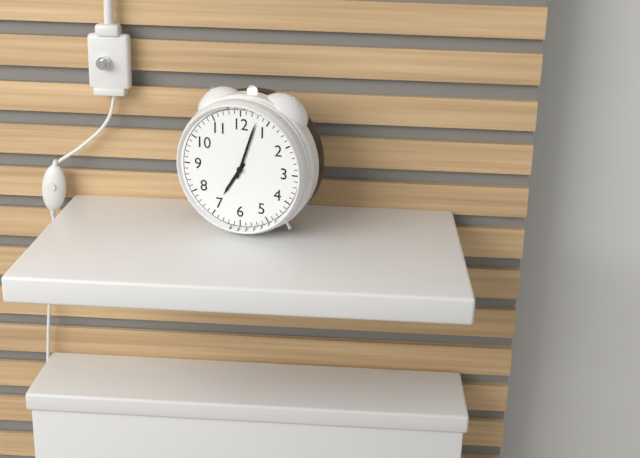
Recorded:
7 h 03 min
